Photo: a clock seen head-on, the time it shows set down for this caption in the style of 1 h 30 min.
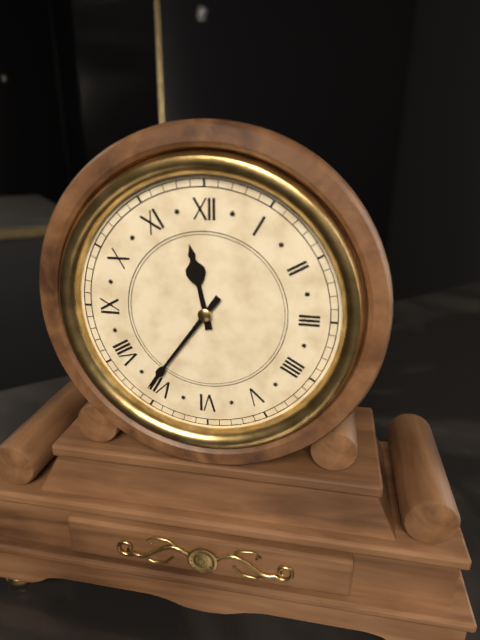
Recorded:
11 h 36 min
